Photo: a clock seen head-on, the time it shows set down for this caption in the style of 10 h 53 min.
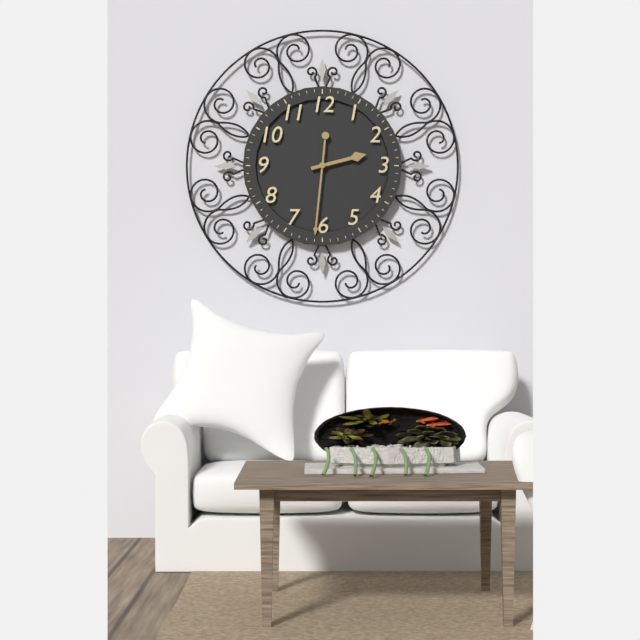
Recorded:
2 h 31 min
